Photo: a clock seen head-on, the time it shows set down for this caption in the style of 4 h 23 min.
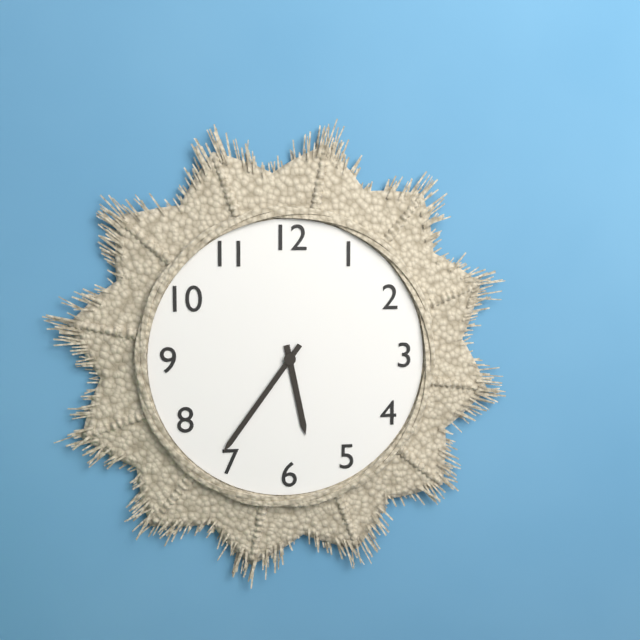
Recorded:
5 h 36 min
